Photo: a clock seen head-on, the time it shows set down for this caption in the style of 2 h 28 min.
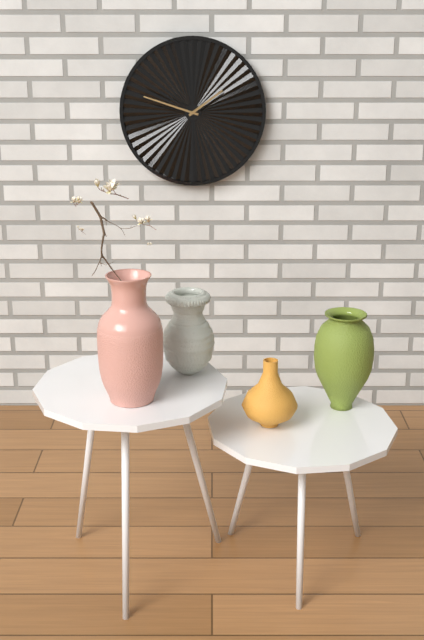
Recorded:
1 h 48 min
